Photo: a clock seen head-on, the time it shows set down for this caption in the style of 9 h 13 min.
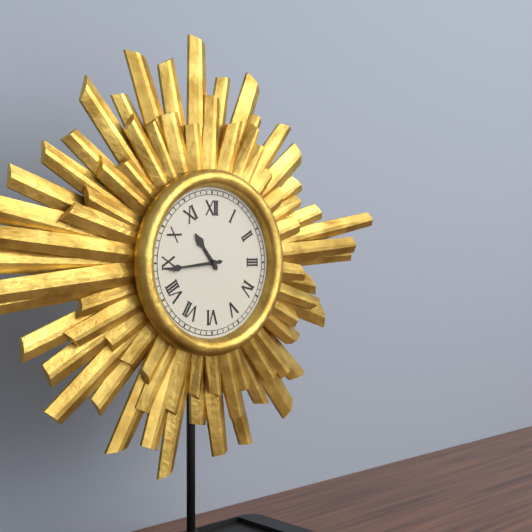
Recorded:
10 h 44 min
